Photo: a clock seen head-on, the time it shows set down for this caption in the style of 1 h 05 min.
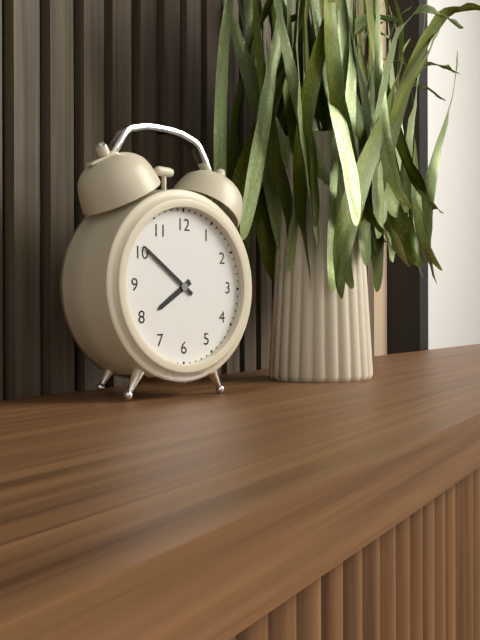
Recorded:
7 h 51 min
